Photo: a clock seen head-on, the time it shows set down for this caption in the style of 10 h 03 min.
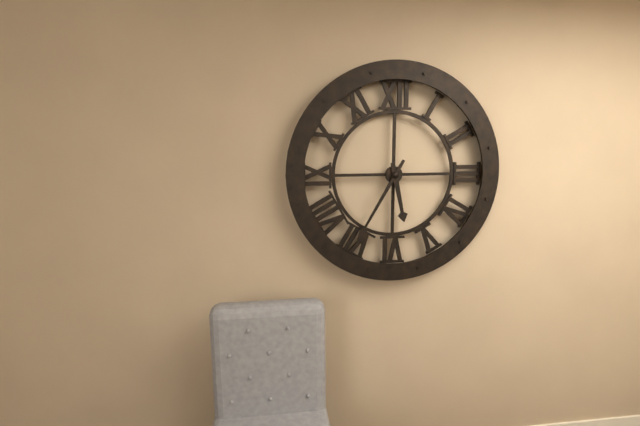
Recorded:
5 h 35 min
